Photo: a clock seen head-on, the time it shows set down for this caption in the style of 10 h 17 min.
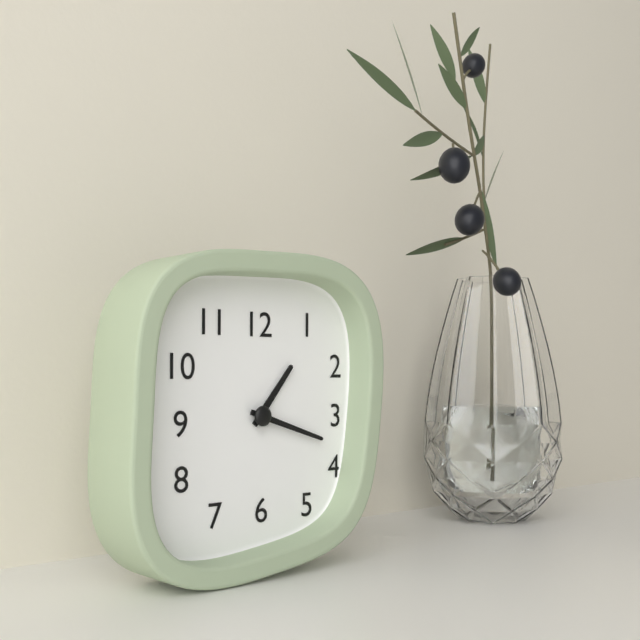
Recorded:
1 h 18 min
